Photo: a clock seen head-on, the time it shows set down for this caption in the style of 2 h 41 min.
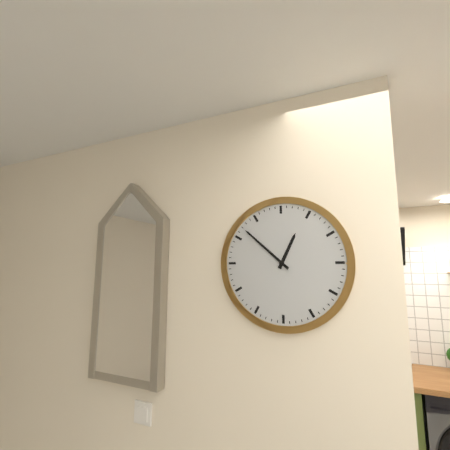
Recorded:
12 h 52 min
